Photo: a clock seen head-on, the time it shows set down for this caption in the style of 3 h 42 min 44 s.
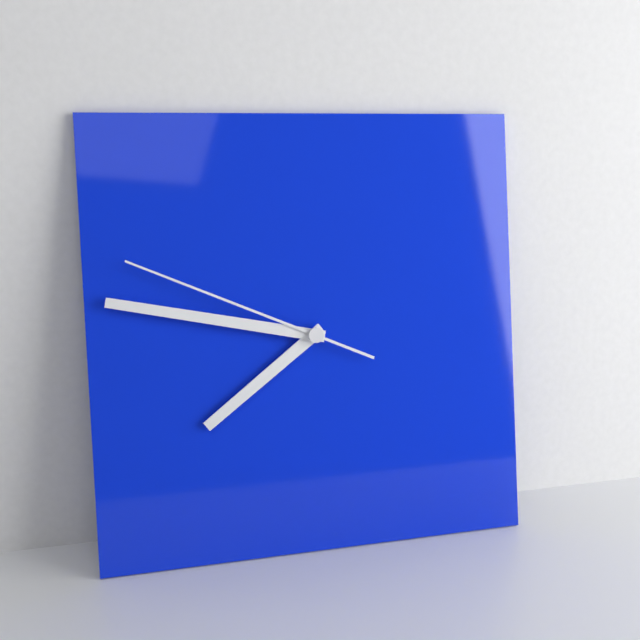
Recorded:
7 h 47 min 49 s
